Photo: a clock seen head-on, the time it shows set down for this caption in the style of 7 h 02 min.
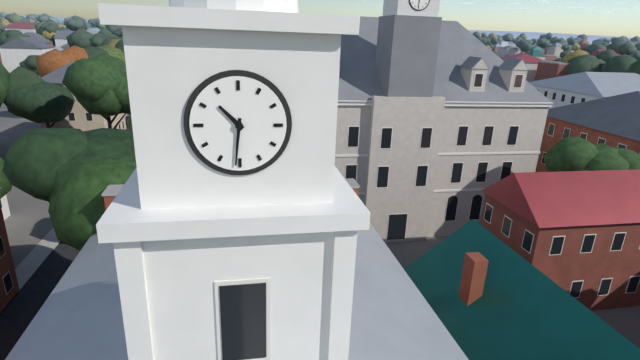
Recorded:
10 h 31 min
